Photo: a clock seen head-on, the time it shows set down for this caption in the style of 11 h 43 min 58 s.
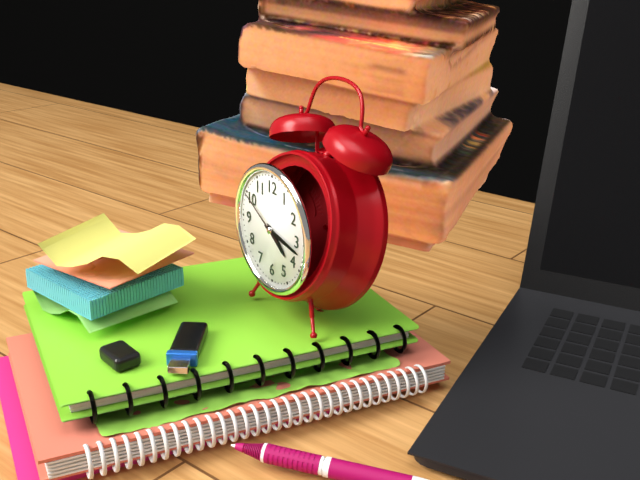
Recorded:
4 h 17 min 50 s
